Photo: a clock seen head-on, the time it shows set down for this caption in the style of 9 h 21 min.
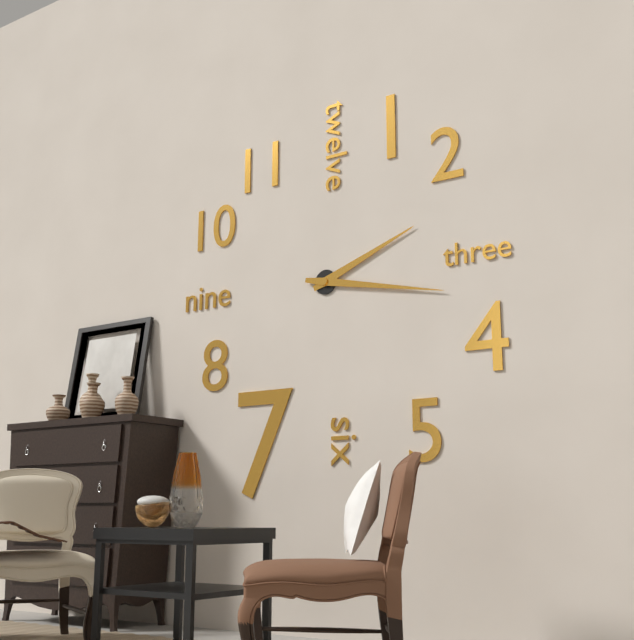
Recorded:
2 h 17 min
